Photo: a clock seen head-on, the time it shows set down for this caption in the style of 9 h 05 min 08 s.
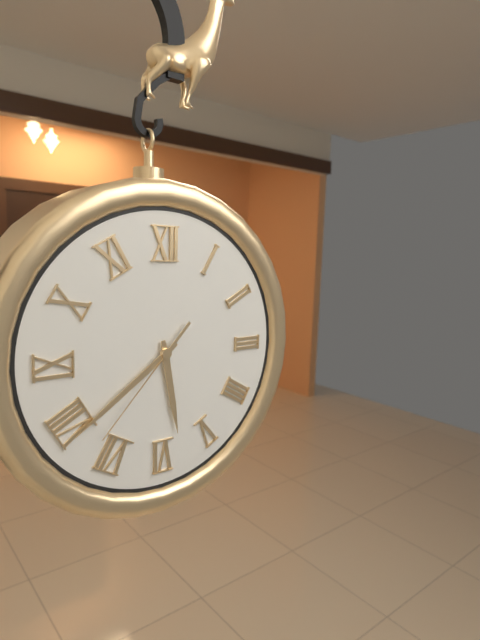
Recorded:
5 h 39 min 37 s
